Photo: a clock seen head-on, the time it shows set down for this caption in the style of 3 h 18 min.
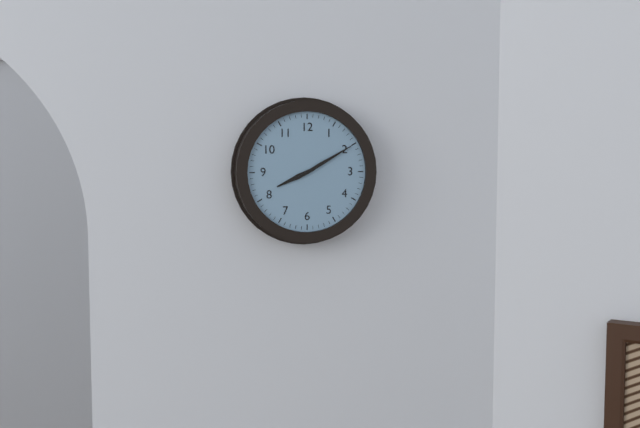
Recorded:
8 h 10 min
